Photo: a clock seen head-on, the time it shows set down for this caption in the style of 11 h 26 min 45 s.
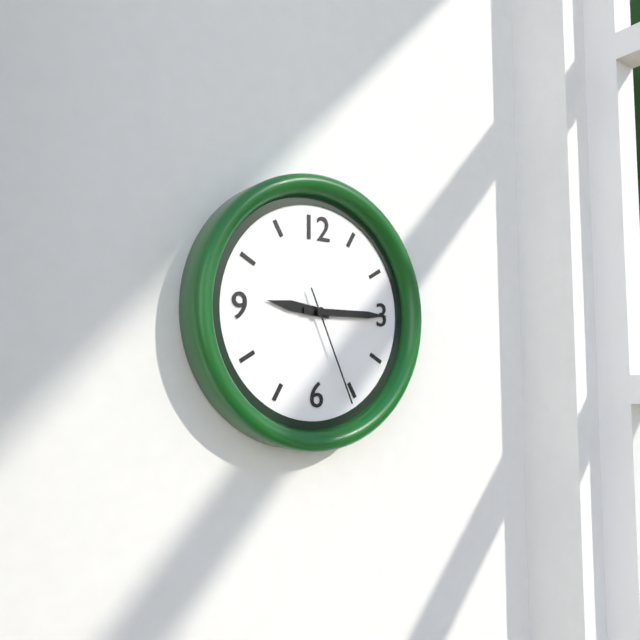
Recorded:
9 h 15 min 26 s
